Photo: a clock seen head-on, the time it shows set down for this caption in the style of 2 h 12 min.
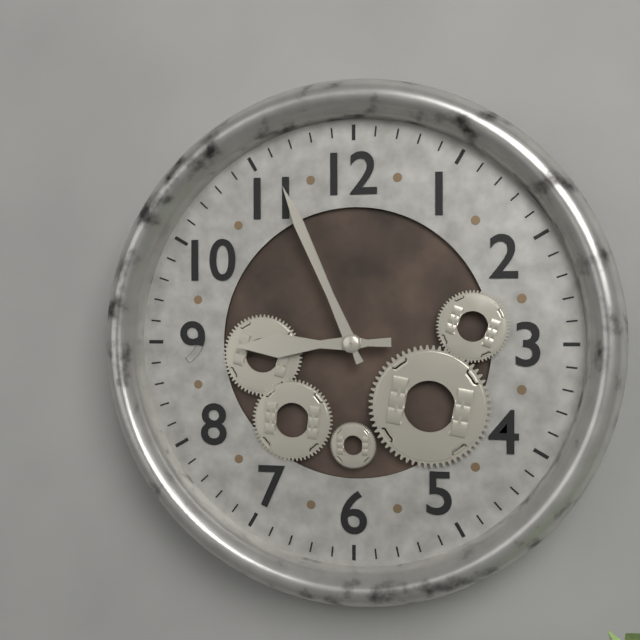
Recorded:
8 h 56 min
